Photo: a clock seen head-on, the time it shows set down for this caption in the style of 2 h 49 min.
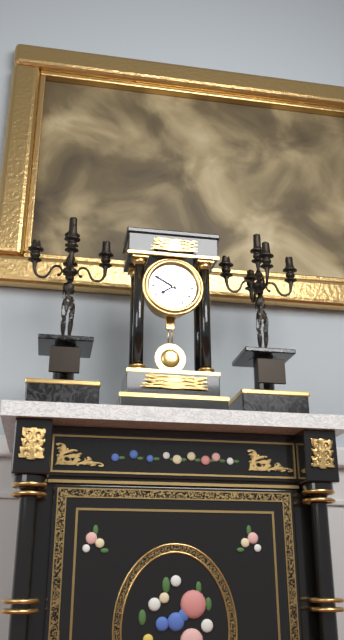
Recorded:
7 h 50 min
